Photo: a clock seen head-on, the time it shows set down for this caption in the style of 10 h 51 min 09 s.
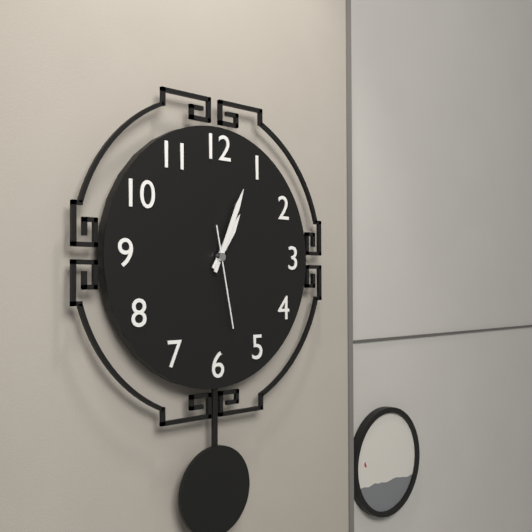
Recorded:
1 h 04 min 28 s
